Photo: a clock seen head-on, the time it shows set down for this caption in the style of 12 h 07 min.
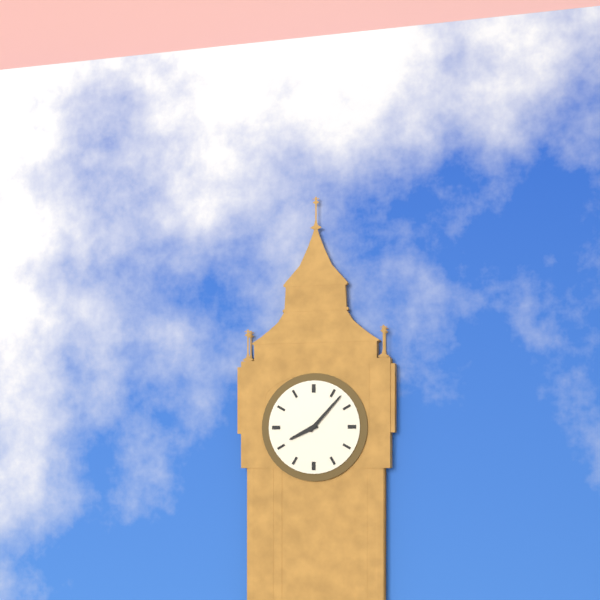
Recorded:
8 h 07 min
